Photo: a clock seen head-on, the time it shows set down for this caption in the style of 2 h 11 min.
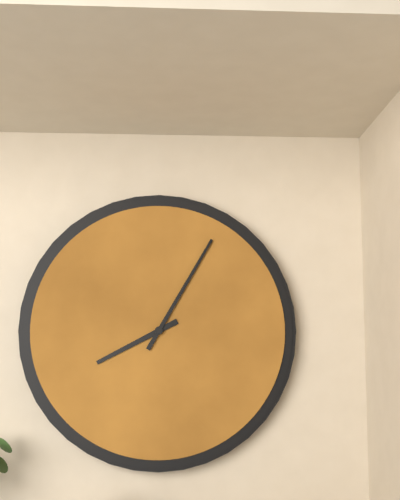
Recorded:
8 h 05 min
